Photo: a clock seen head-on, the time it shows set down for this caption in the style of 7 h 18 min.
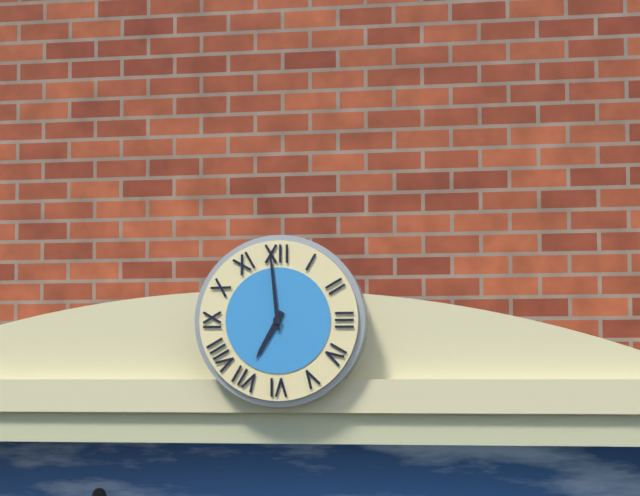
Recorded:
6 h 59 min
